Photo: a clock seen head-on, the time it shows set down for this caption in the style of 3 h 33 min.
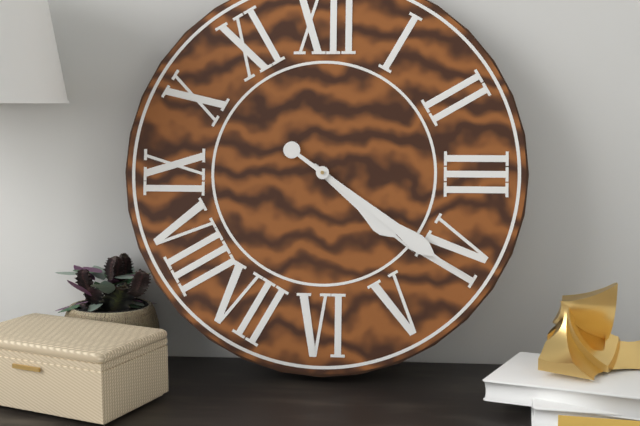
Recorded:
4 h 21 min
